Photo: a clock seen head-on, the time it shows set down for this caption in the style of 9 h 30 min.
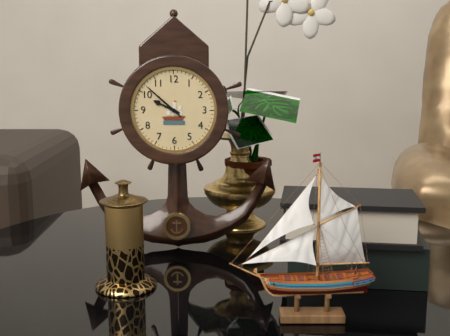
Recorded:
9 h 52 min
